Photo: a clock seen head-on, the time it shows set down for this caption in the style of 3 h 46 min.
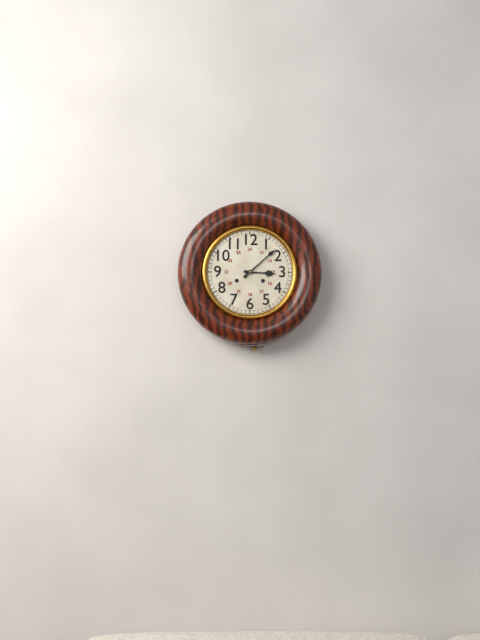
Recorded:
3 h 08 min
